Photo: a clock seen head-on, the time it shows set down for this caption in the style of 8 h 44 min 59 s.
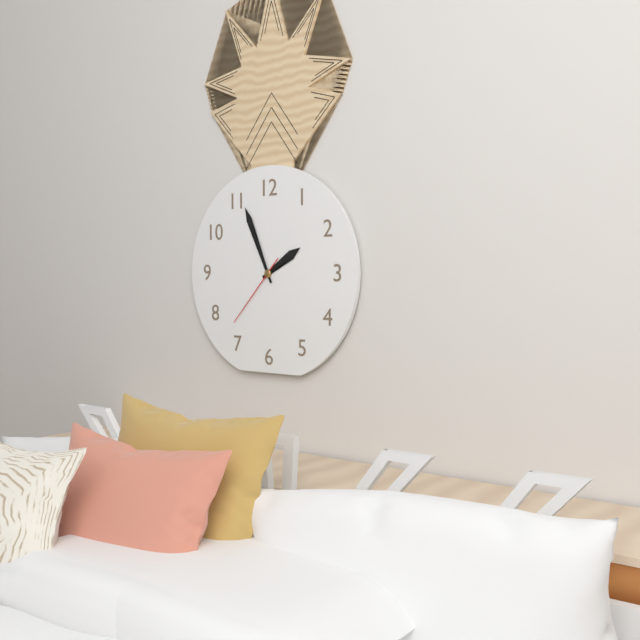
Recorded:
1 h 56 min 37 s
